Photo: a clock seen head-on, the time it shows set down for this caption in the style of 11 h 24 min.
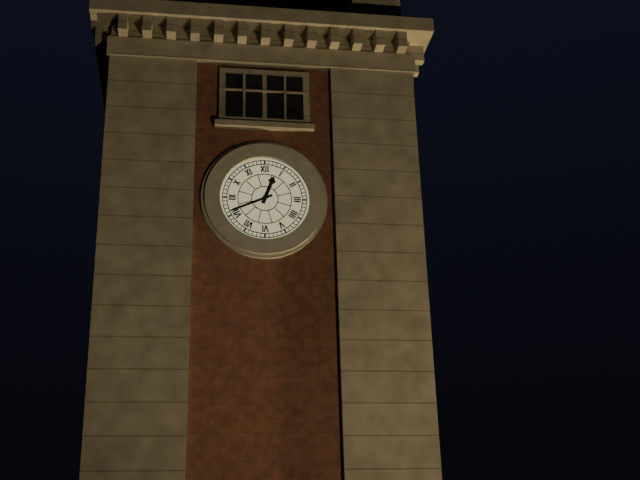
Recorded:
12 h 41 min
